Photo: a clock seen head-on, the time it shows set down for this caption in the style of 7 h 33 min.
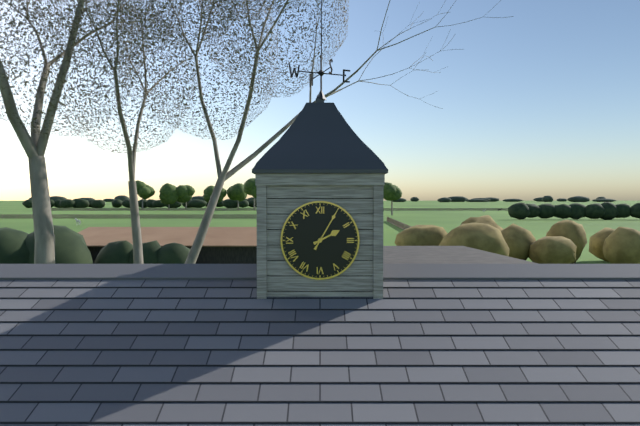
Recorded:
2 h 05 min
